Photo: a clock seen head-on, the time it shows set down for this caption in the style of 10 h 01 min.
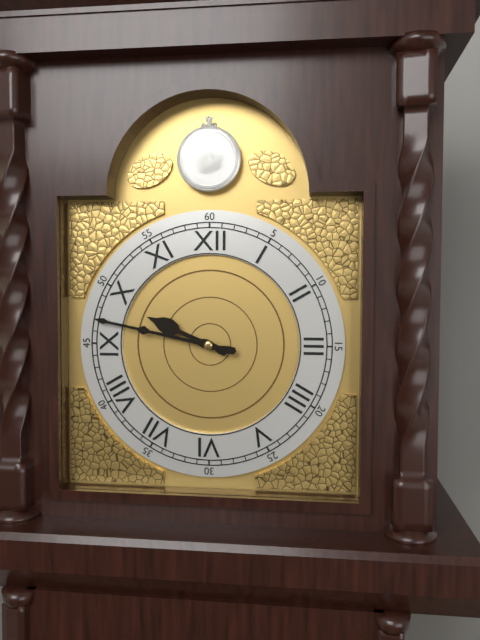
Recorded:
9 h 47 min
